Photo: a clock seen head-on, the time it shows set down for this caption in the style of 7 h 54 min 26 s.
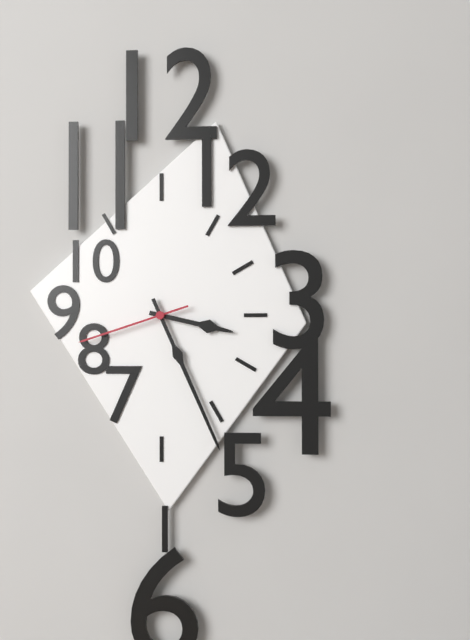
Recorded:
3 h 26 min 42 s
